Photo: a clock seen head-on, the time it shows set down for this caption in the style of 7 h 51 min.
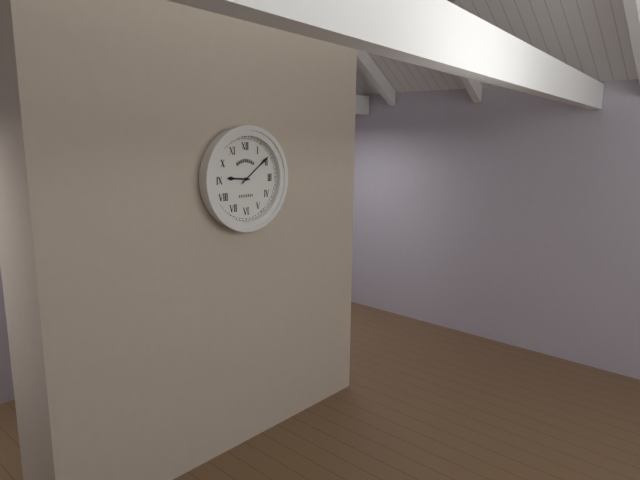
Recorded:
9 h 09 min
